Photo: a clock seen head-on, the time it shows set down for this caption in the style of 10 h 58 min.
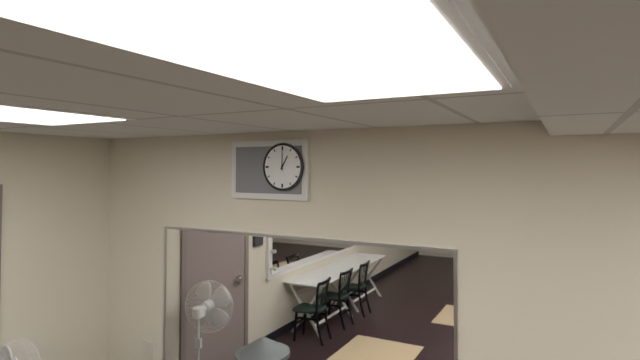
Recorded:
1 h 00 min
